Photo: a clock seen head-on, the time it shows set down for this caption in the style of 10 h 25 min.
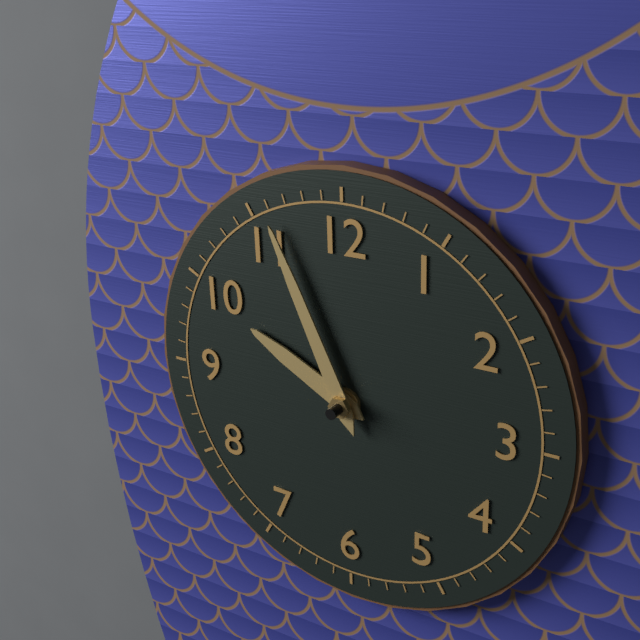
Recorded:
9 h 56 min
